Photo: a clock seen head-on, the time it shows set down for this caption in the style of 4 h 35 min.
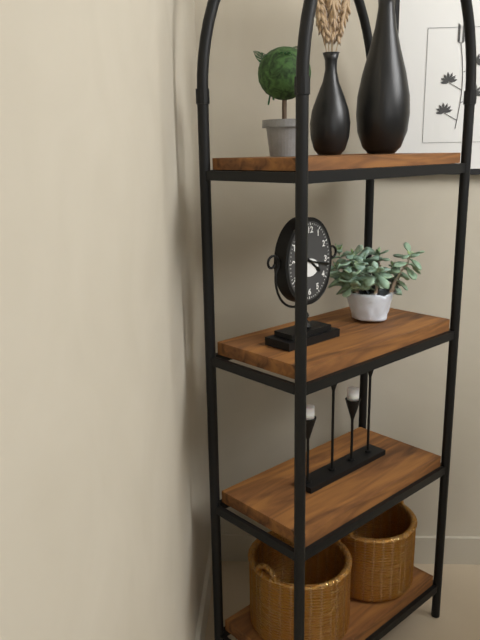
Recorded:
4 h 17 min
